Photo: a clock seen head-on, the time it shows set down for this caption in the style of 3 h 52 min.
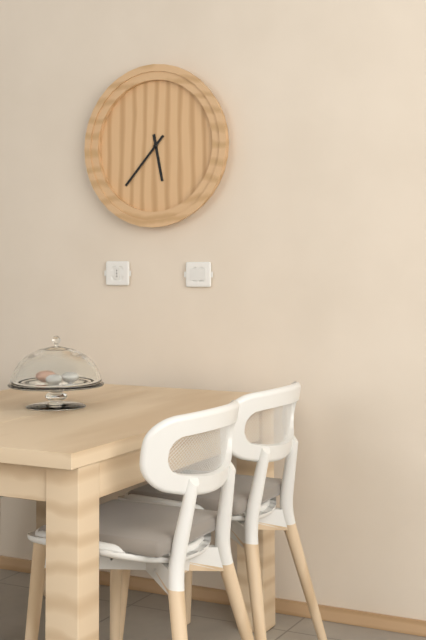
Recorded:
5 h 37 min
